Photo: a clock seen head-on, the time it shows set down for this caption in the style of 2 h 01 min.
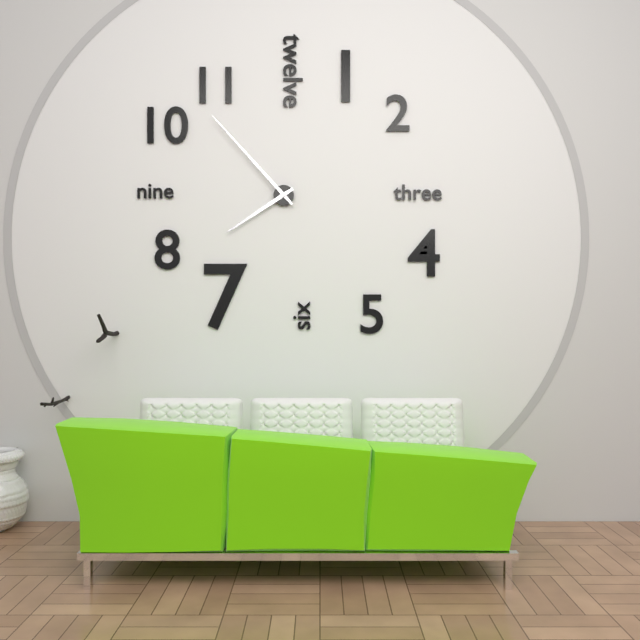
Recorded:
7 h 53 min
